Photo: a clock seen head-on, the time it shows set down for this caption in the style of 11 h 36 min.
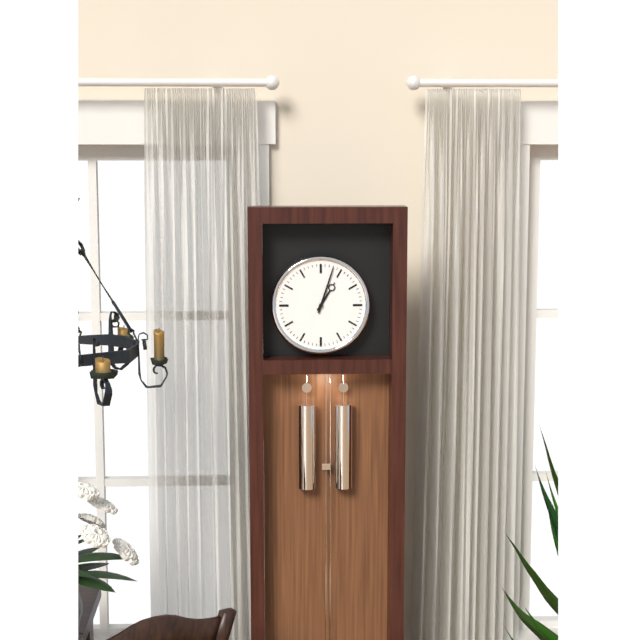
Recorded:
1 h 03 min
